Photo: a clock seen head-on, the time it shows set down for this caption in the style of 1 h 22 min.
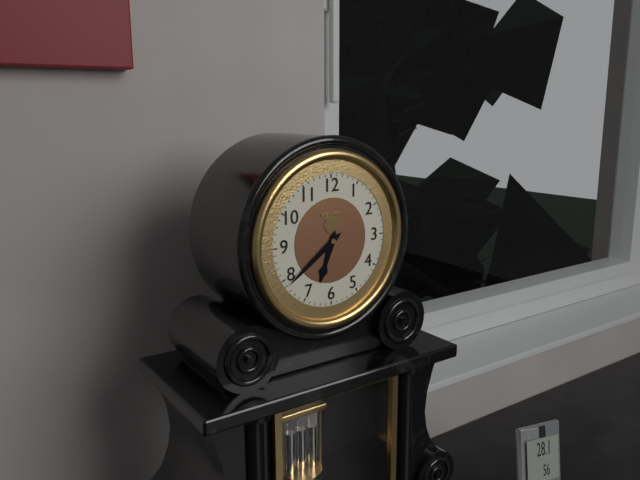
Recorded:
6 h 39 min
